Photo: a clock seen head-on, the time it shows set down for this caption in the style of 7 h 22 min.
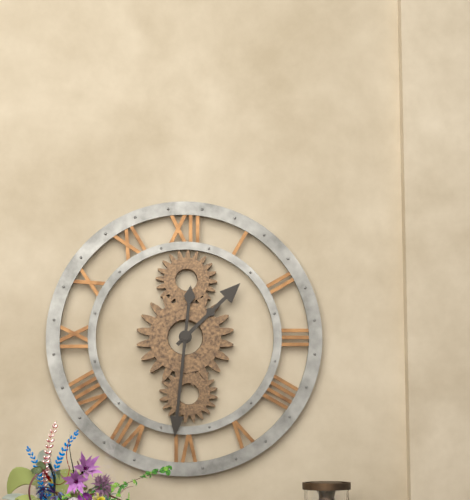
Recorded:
1 h 31 min
